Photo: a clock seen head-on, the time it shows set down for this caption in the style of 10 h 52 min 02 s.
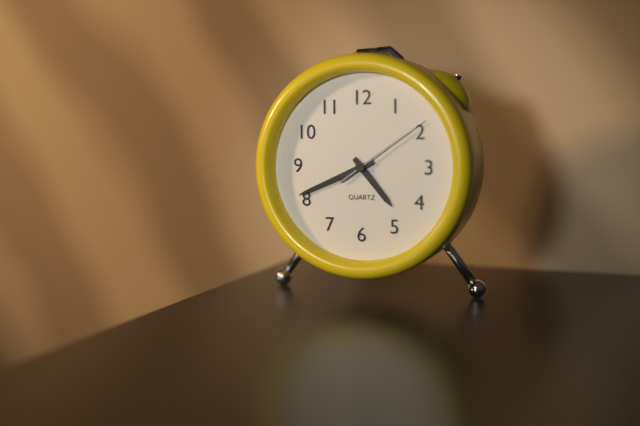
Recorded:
4 h 41 min 09 s
